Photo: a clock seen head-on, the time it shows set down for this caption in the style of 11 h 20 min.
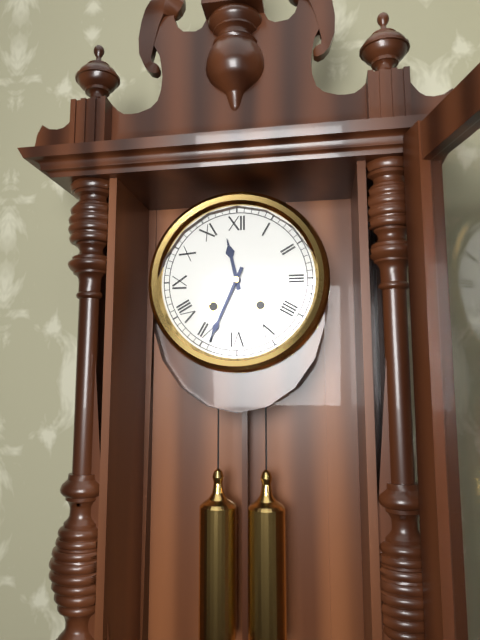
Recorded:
11 h 34 min
